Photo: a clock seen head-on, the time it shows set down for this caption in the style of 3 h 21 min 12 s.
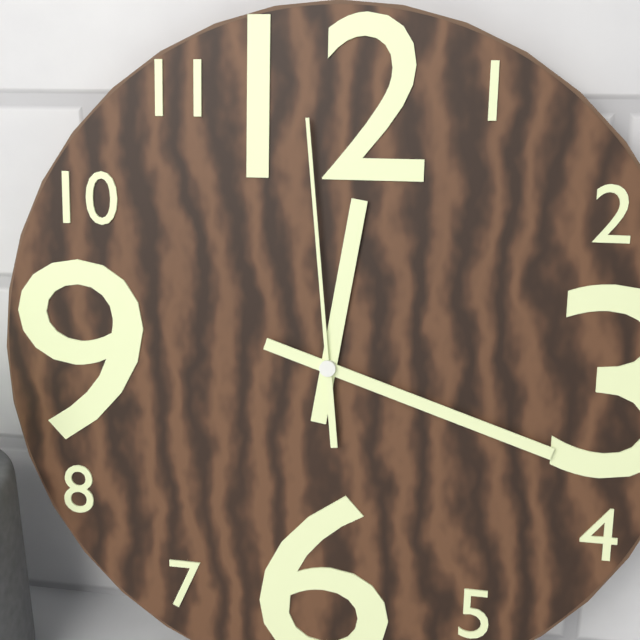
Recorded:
12 h 18 min 59 s
